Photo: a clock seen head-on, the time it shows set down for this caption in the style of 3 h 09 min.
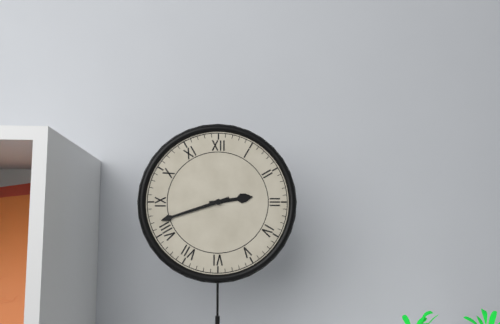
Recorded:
2 h 42 min
